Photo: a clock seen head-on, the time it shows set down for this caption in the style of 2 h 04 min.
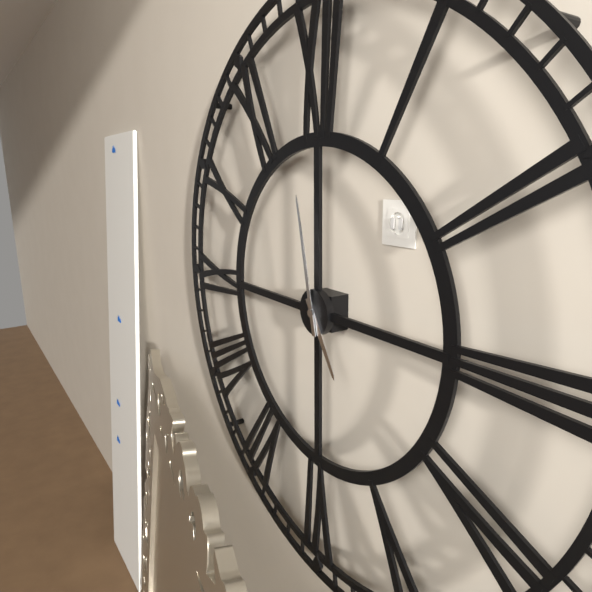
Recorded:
4 h 58 min
